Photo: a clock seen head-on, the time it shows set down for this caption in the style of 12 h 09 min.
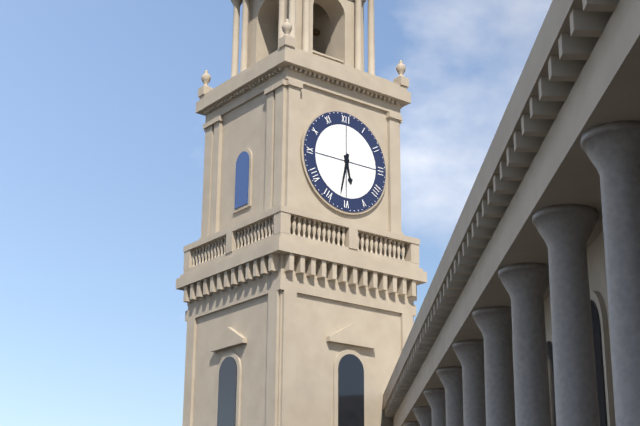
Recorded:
5 h 32 min
